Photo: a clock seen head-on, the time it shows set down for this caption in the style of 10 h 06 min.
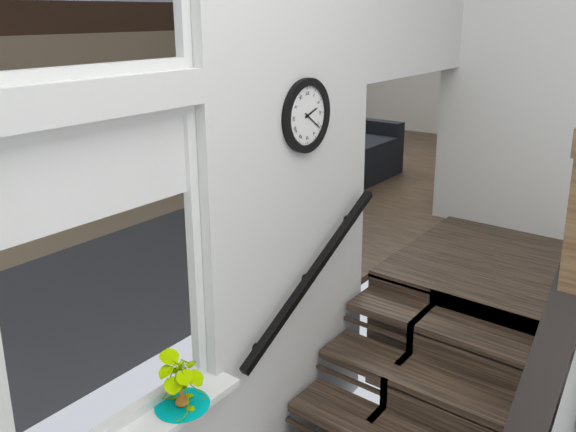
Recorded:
2 h 21 min
